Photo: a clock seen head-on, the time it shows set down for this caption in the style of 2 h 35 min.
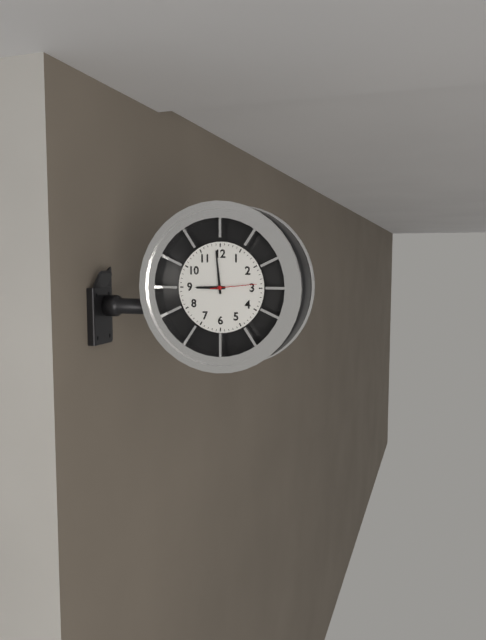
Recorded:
8 h 59 min
